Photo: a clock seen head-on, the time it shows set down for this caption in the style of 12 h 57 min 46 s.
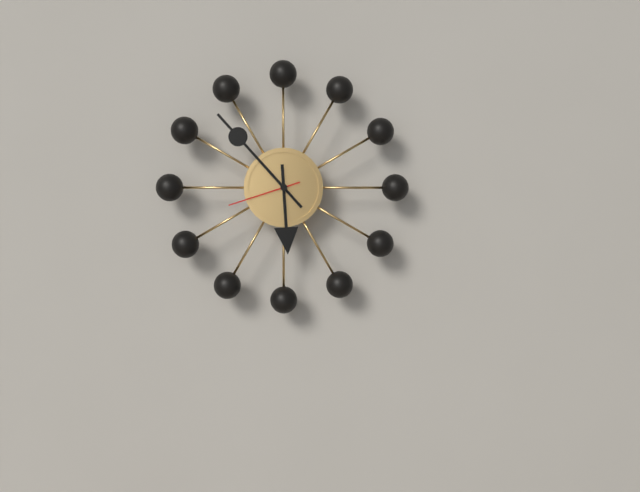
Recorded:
5 h 53 min 42 s
